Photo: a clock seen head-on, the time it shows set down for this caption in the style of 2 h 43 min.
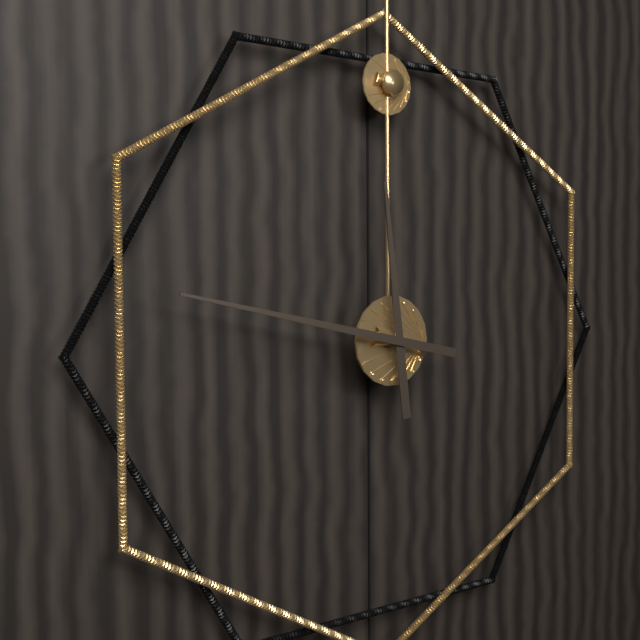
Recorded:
11 h 47 min
